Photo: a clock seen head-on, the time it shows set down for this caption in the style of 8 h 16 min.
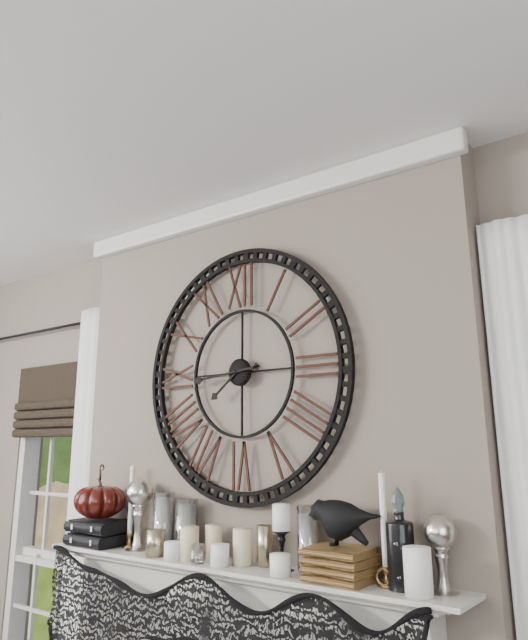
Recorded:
7 h 44 min
